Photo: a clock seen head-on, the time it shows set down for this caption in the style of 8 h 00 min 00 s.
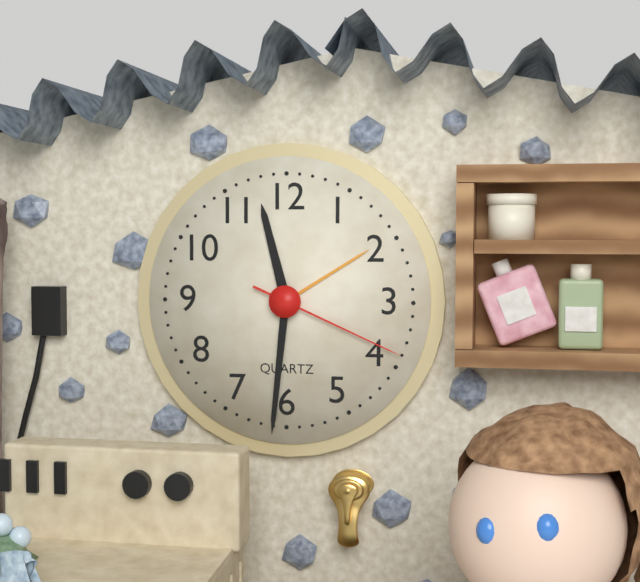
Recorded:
11 h 31 min 19 s
